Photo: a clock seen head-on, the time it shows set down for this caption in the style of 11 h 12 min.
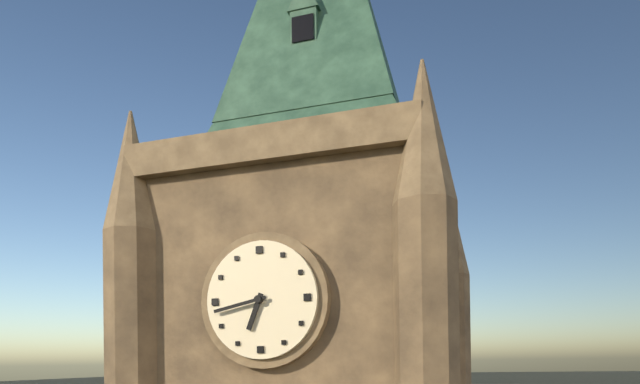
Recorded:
6 h 43 min
